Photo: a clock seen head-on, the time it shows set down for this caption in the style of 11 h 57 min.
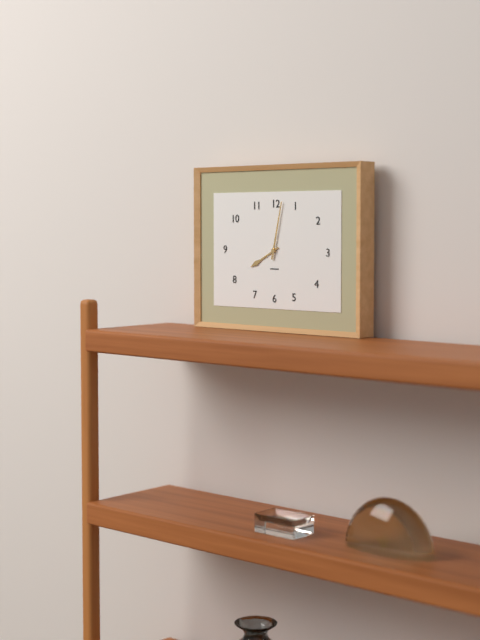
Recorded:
8 h 02 min
